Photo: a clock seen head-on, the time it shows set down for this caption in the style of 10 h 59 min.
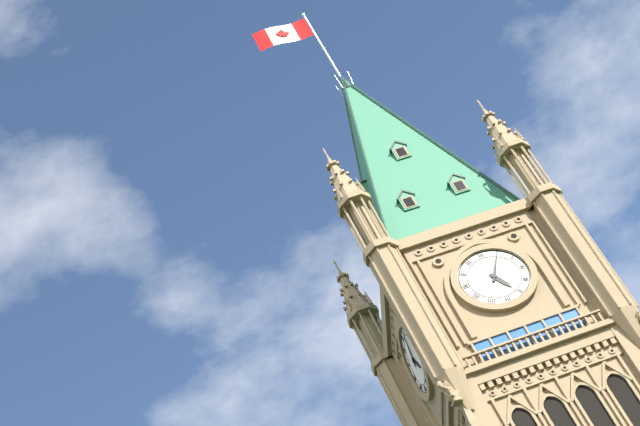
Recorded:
5 h 05 min
